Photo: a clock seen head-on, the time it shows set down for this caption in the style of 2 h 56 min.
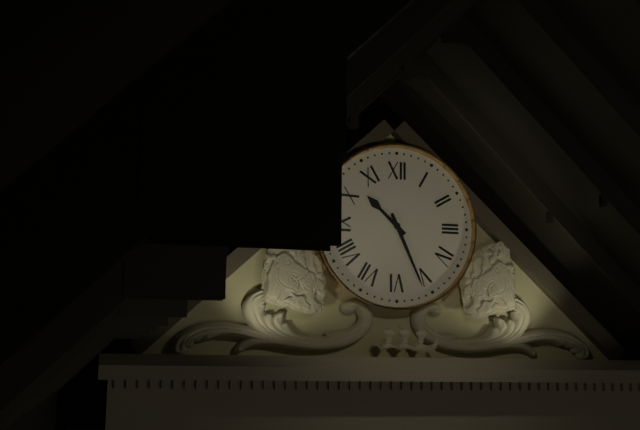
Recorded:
10 h 26 min
